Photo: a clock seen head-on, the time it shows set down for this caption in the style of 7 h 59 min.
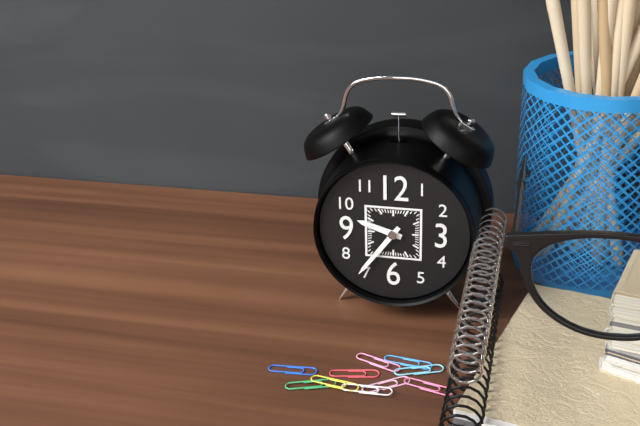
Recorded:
9 h 36 min
